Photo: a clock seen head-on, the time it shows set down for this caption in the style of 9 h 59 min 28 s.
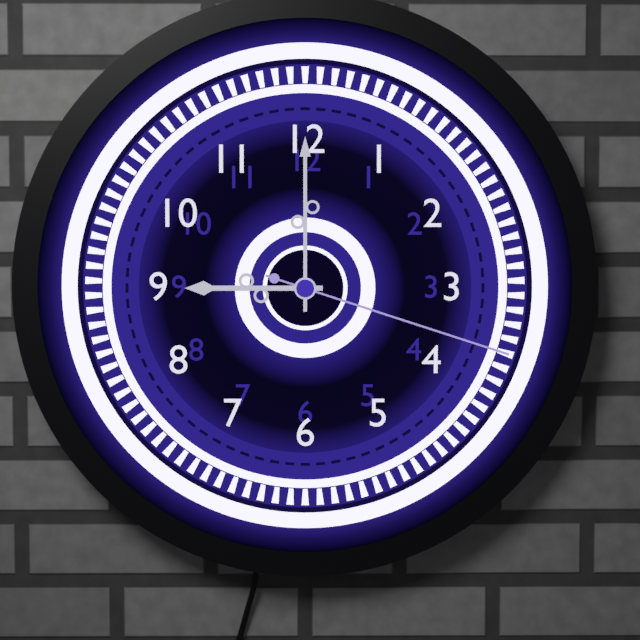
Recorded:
9 h 00 min 18 s
